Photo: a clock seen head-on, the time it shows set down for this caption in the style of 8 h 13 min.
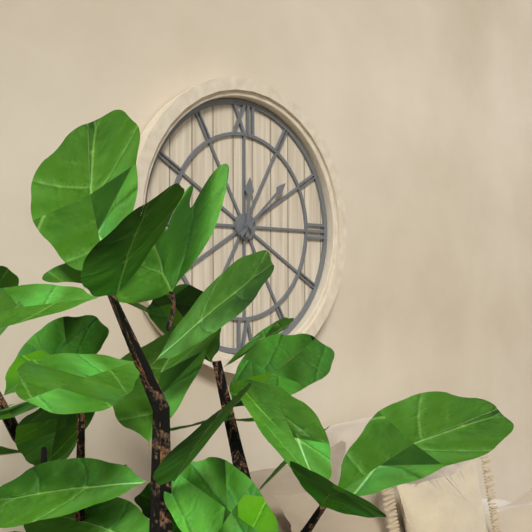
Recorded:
12 h 08 min
